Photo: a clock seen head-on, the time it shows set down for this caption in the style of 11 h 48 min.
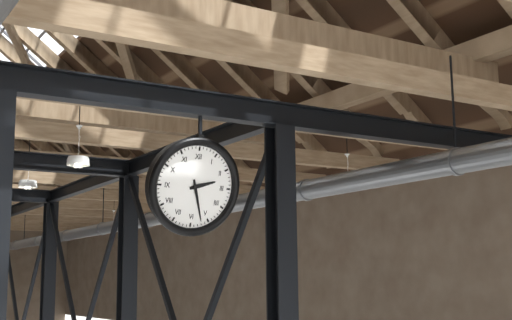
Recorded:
2 h 27 min
